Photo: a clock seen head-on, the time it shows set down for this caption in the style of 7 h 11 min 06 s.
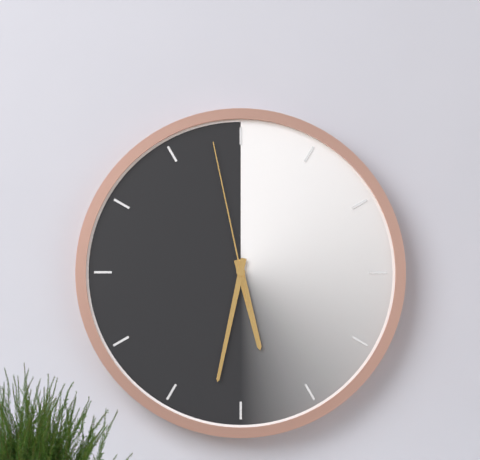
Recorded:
5 h 32 min 58 s
